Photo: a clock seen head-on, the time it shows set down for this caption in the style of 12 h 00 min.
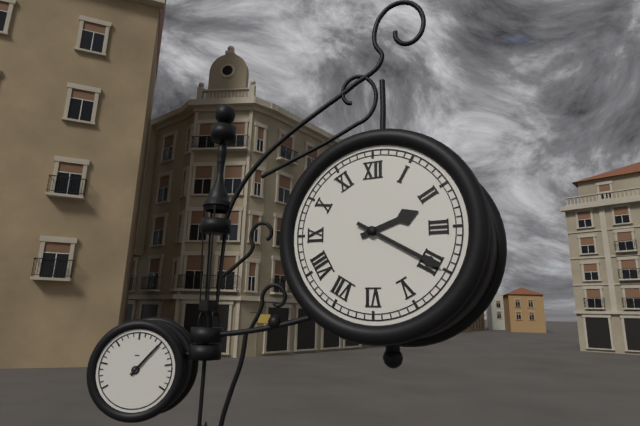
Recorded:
2 h 20 min
